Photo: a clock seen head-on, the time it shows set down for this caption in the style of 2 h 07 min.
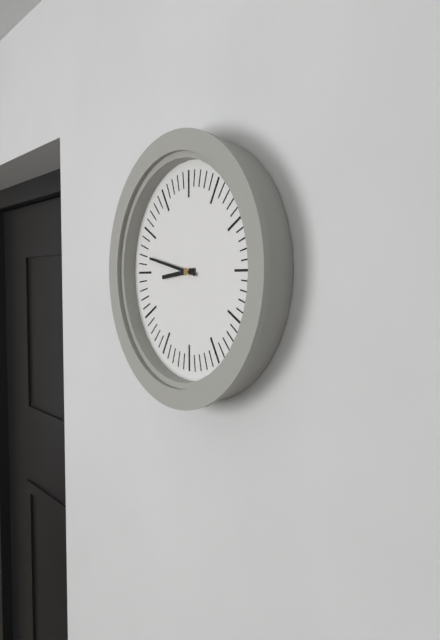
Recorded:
8 h 47 min
